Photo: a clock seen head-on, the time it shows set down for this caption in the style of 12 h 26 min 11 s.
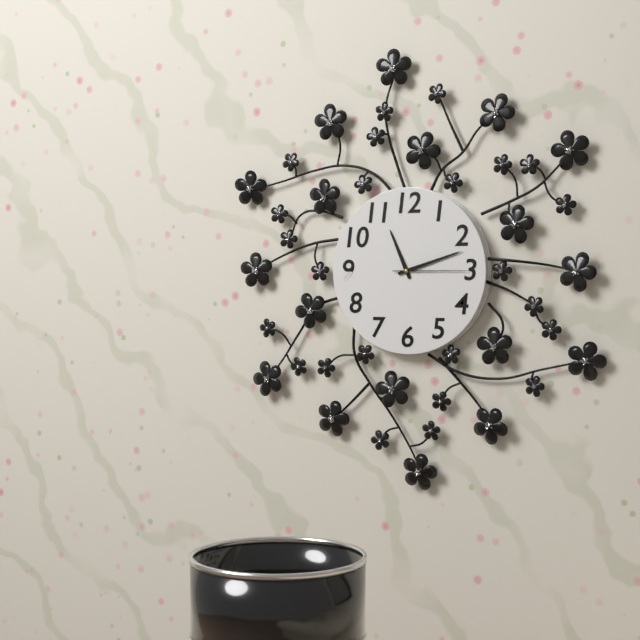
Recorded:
11 h 12 min 15 s
